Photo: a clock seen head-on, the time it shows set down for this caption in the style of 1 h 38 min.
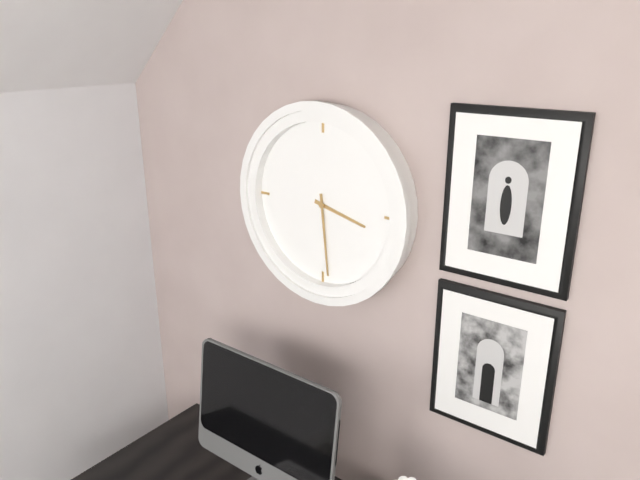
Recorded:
3 h 29 min
